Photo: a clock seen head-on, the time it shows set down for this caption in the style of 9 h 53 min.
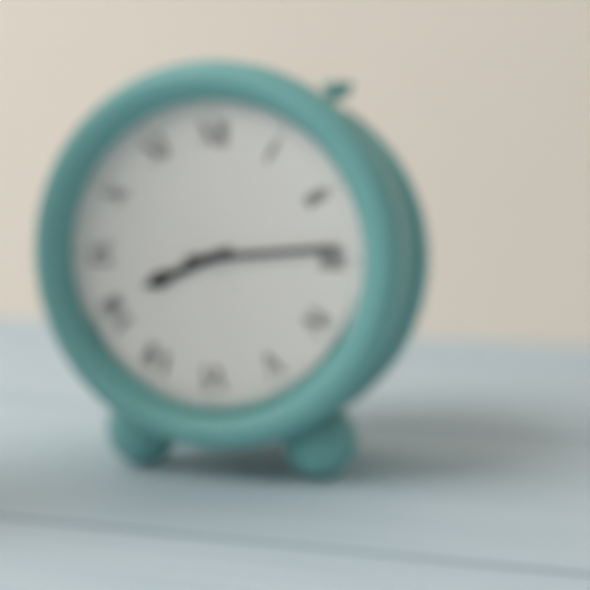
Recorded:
8 h 14 min
